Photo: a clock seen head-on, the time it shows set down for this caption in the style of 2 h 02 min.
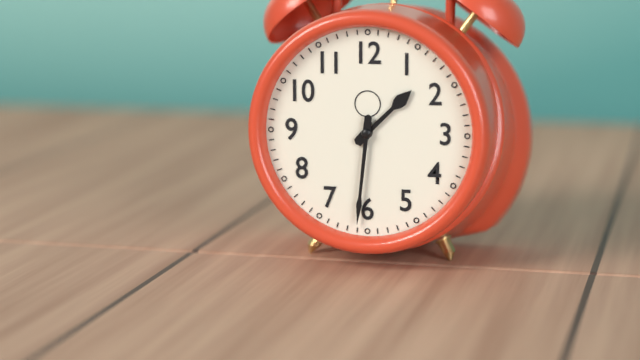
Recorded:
1 h 31 min
